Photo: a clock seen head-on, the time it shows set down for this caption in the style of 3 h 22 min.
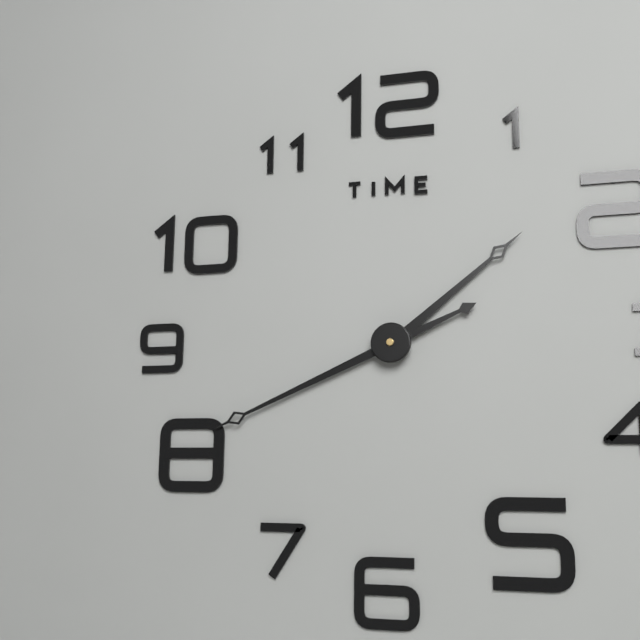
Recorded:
1 h 41 min
